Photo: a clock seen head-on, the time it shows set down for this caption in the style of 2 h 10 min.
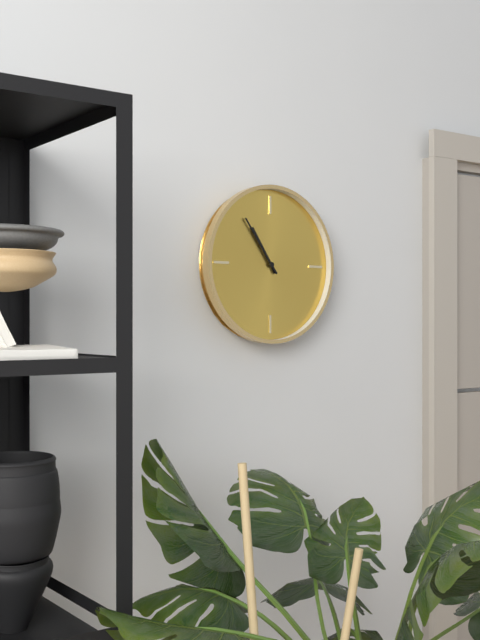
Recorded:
10 h 54 min
